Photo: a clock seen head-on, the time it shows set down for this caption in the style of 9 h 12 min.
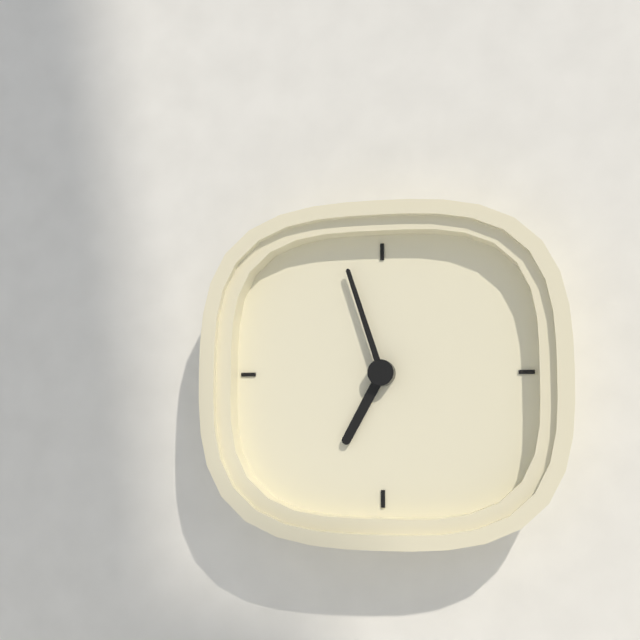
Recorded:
6 h 57 min
